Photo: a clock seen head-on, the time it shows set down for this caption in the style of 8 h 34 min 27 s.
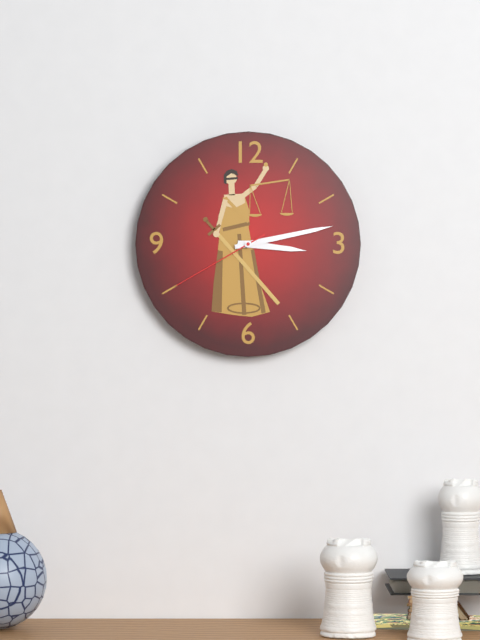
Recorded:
3 h 13 min 40 s
